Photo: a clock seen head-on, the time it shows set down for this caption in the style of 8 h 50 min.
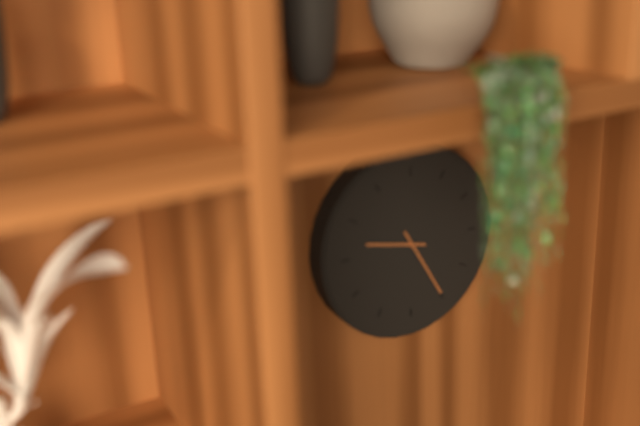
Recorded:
9 h 25 min
